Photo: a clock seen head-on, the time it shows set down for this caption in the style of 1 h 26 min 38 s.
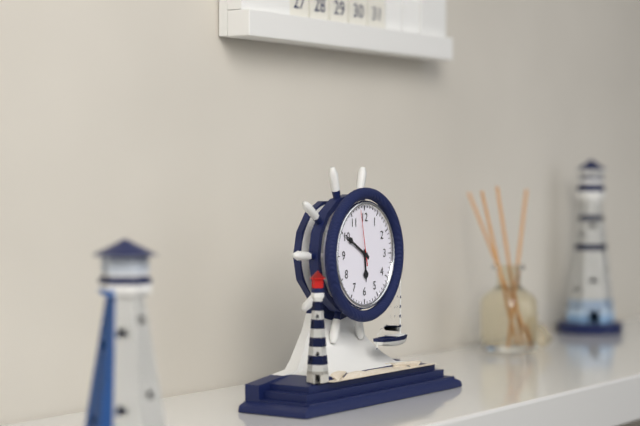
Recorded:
5 h 50 min 58 s
